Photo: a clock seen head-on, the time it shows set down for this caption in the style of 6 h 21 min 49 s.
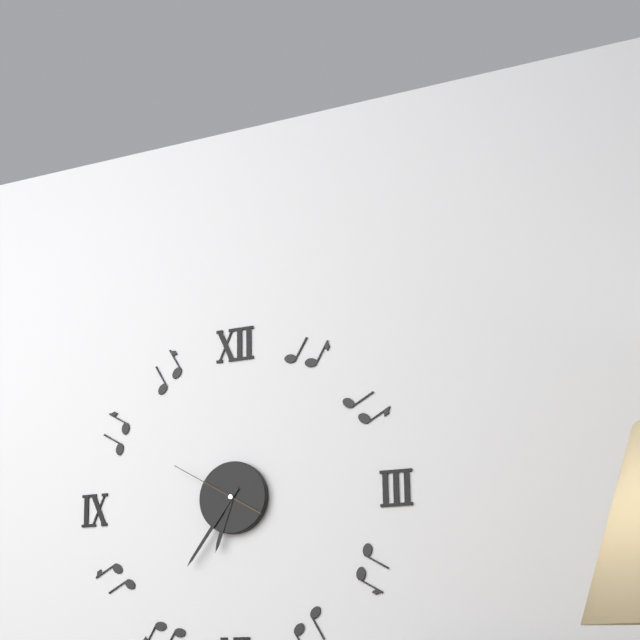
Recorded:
6 h 36 min 50 s
